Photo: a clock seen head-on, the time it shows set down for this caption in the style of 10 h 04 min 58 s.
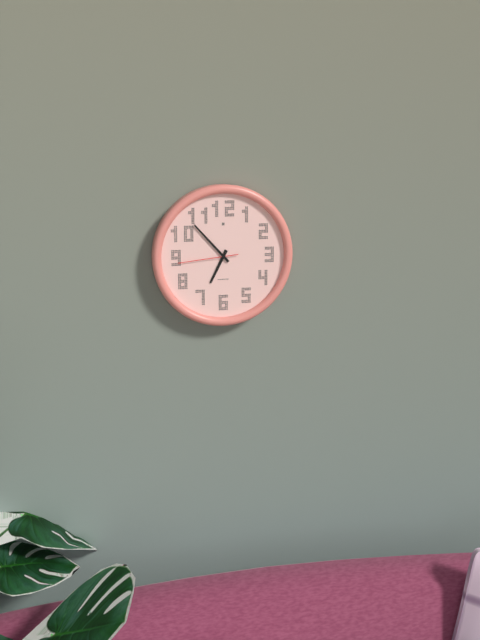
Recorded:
6 h 53 min 44 s
